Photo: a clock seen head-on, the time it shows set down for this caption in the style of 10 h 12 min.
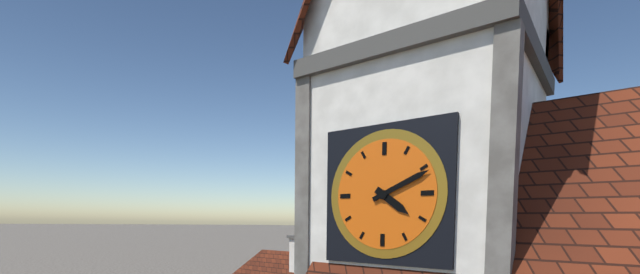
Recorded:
4 h 11 min
